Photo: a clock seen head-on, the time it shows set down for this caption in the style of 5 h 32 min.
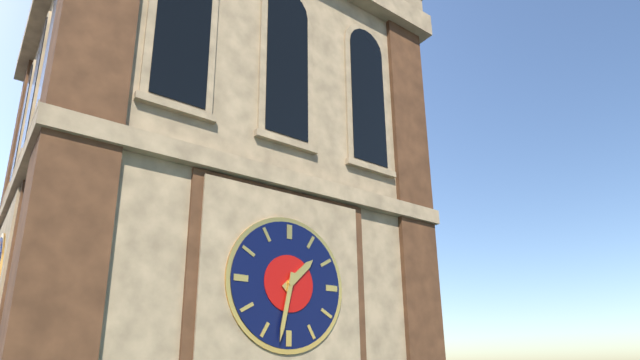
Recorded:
1 h 32 min
